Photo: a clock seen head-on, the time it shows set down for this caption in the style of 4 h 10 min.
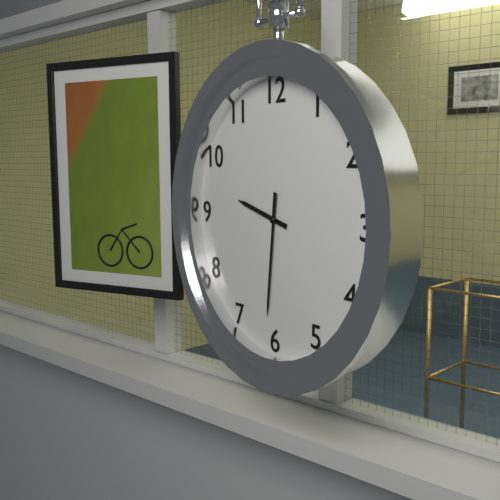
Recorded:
9 h 31 min
